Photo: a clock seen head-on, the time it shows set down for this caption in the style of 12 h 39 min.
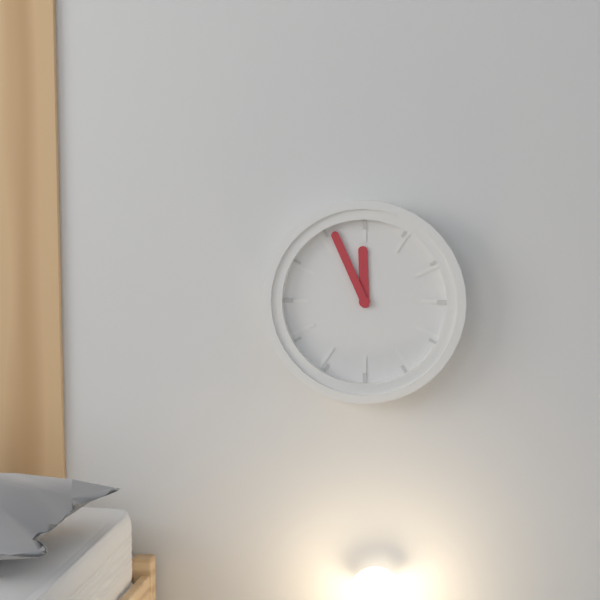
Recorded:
11 h 56 min
